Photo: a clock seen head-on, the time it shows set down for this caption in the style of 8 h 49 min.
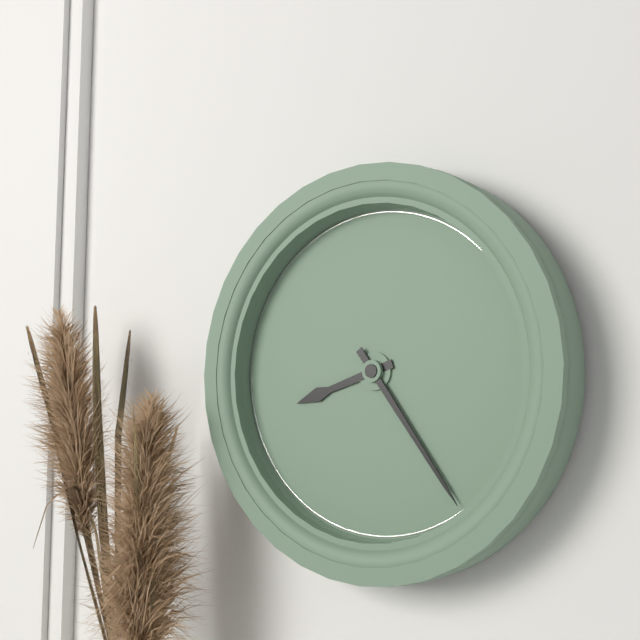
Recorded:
8 h 24 min
